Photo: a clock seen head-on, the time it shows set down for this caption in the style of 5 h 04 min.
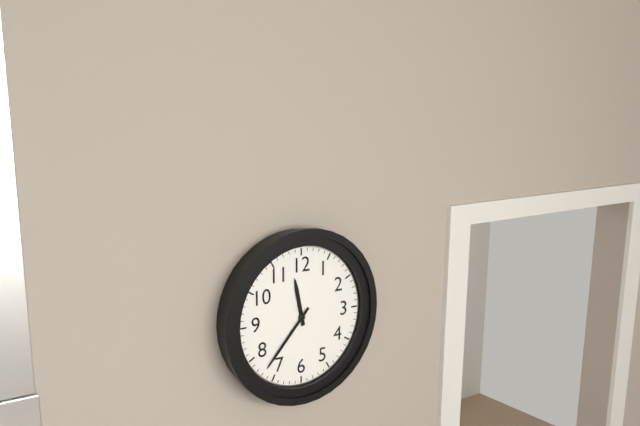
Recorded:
11 h 37 min
